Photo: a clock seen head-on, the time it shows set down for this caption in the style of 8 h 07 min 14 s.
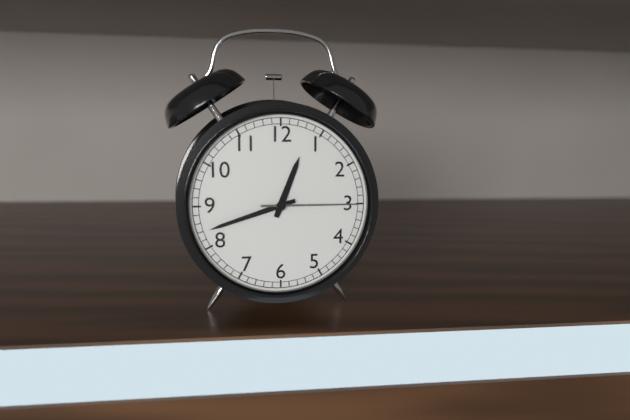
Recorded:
12 h 42 min 15 s
